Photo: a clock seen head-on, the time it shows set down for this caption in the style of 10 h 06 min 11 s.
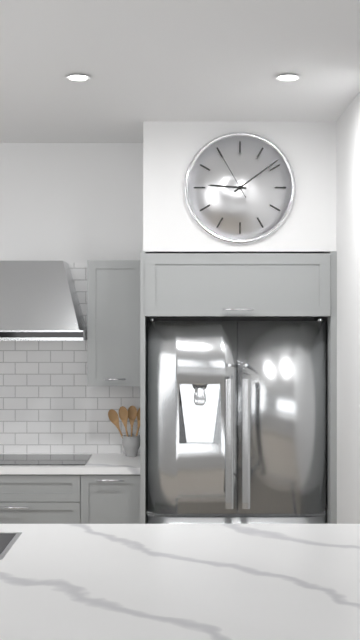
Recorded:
9 h 09 min 55 s
